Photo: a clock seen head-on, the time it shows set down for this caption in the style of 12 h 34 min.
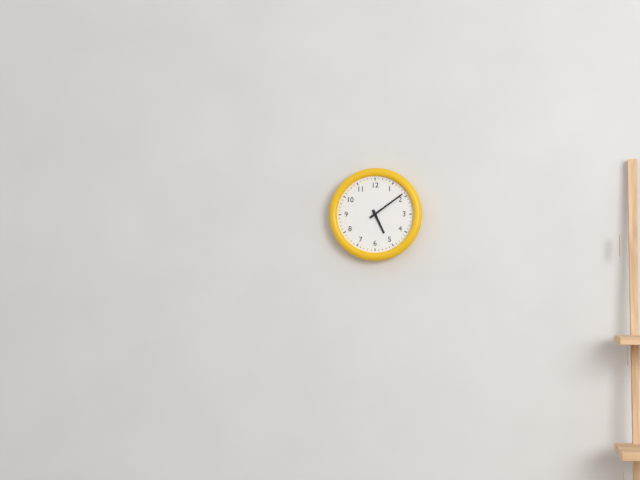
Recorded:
5 h 09 min
